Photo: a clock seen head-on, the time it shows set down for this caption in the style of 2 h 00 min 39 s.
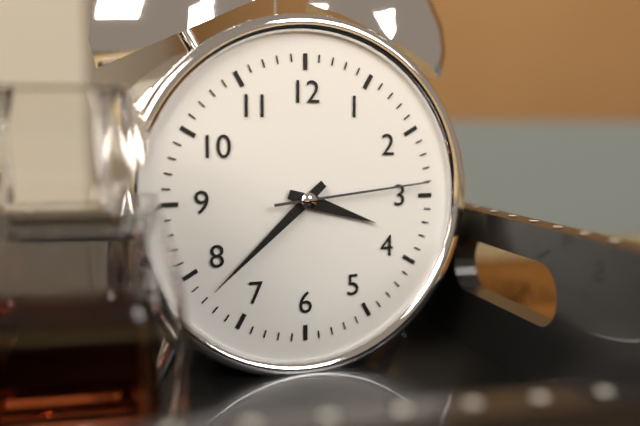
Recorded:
3 h 38 min 14 s
